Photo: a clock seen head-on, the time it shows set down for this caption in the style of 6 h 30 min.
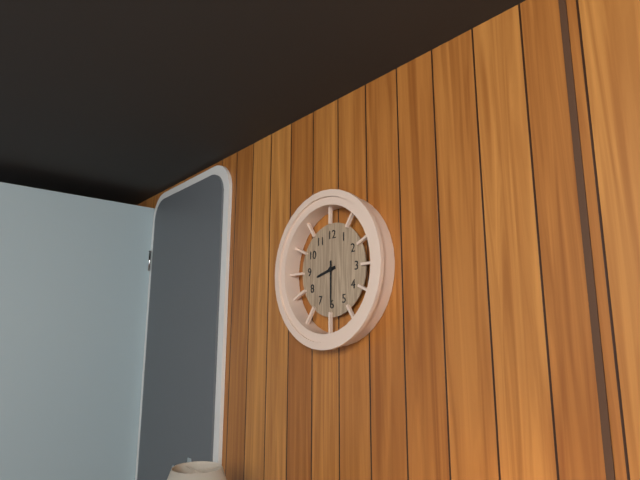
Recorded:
8 h 30 min
